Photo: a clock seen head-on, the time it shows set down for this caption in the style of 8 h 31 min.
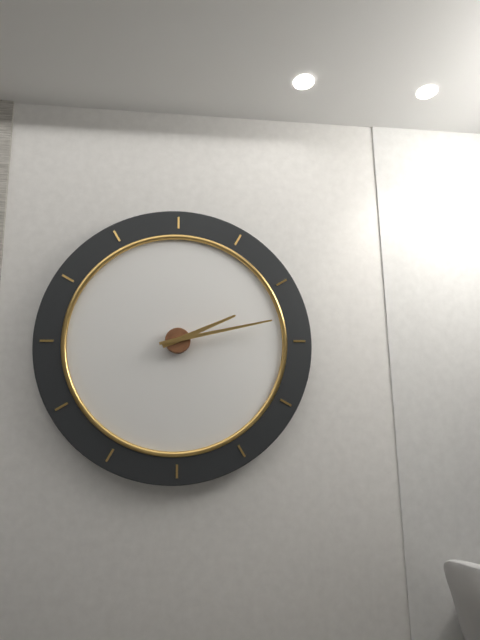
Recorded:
2 h 13 min
